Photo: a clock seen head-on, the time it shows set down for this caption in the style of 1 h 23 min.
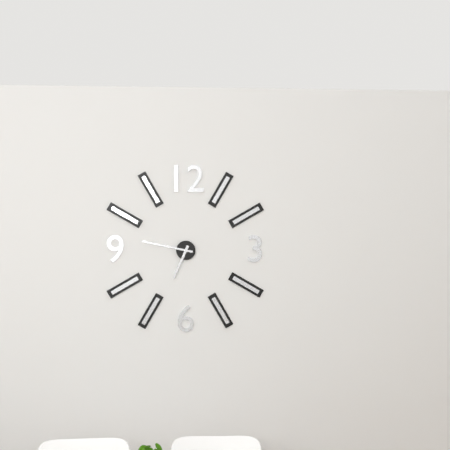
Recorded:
6 h 47 min
